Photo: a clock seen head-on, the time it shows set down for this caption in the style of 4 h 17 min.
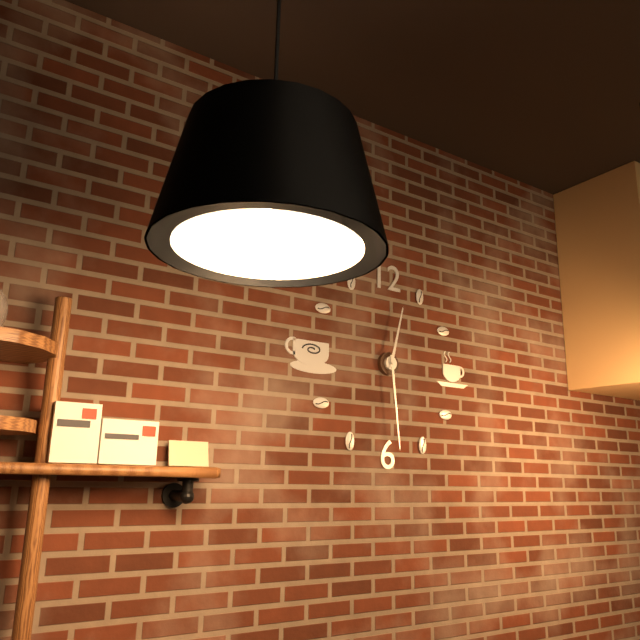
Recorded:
12 h 29 min
